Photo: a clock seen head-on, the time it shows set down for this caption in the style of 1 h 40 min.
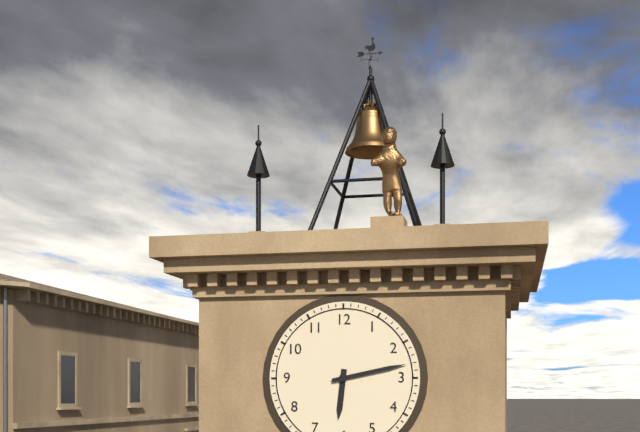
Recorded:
6 h 13 min
